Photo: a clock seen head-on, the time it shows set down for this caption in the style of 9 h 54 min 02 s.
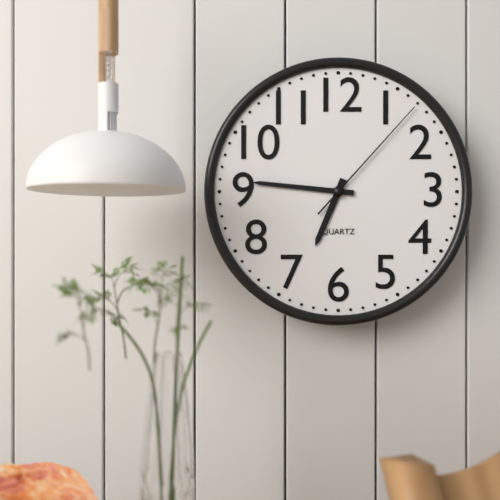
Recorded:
6 h 46 min 07 s
